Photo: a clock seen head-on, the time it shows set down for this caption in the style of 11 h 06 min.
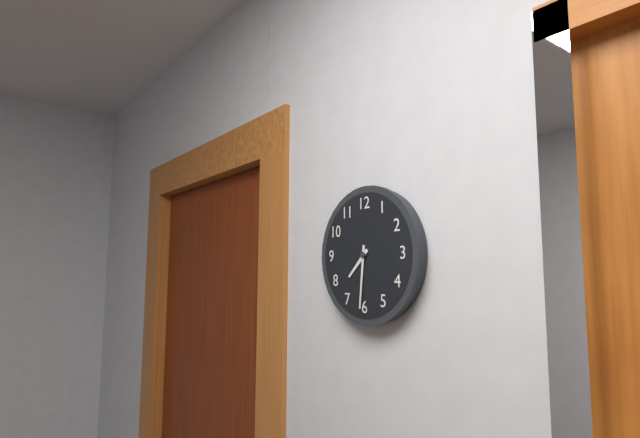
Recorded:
7 h 31 min
